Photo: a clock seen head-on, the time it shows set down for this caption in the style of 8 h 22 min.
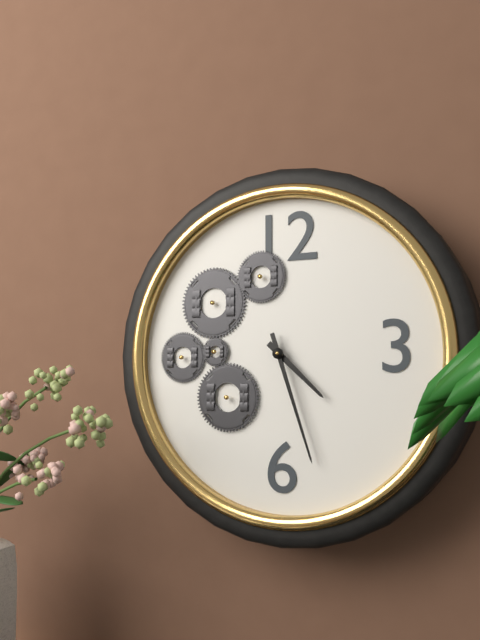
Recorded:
4 h 27 min
